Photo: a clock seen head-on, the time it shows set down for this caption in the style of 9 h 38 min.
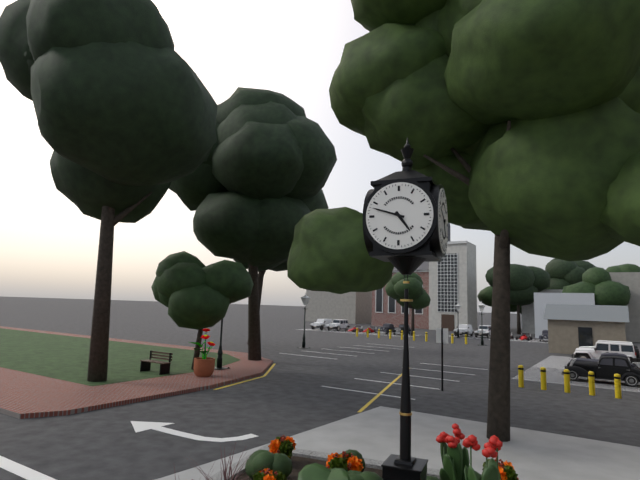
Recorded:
4 h 48 min
